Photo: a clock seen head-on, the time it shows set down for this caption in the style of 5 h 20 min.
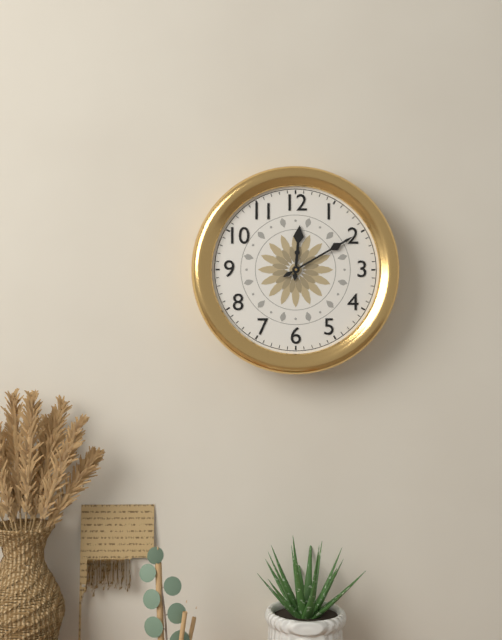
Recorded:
12 h 10 min
